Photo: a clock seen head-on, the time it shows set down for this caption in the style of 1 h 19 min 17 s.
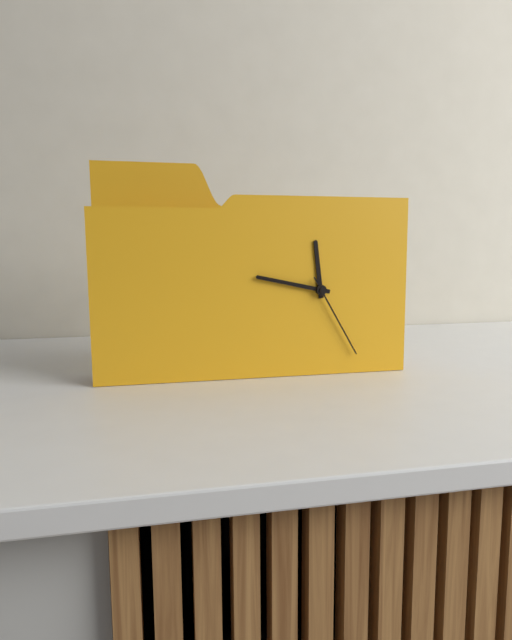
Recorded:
11 h 47 min 25 s
